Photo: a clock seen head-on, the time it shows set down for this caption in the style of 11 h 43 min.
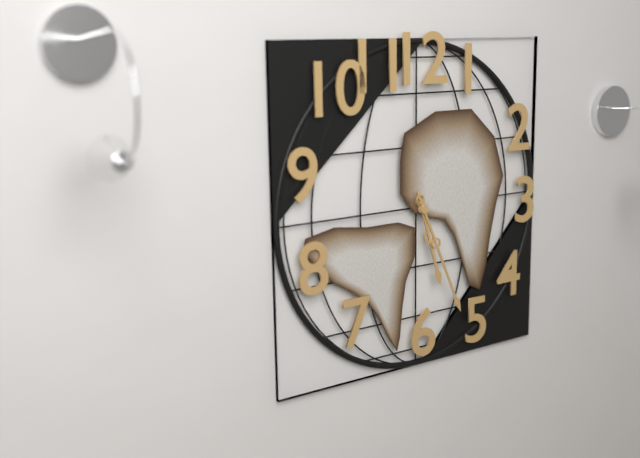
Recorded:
5 h 26 min
